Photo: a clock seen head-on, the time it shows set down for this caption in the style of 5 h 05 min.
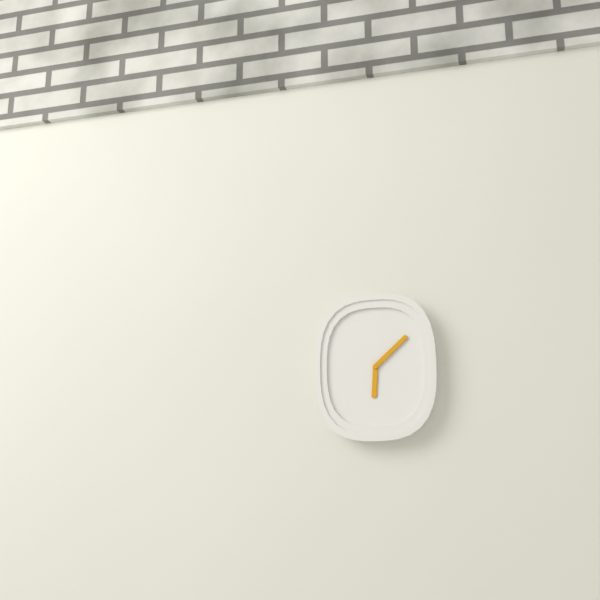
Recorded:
6 h 08 min
